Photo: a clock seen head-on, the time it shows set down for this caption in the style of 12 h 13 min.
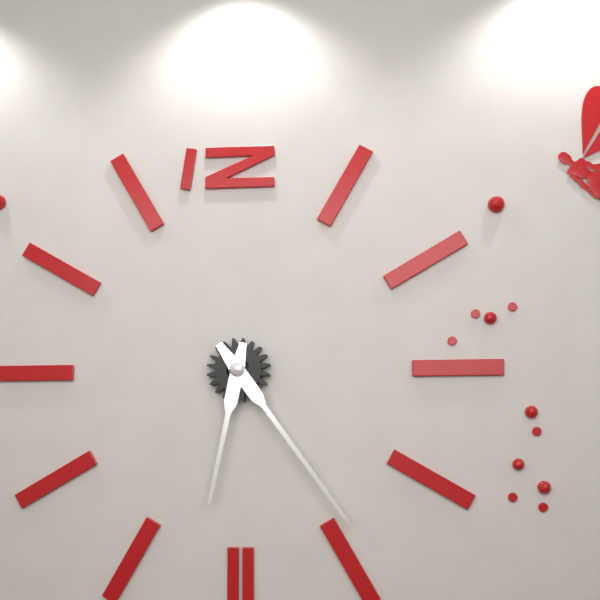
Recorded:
6 h 24 min
